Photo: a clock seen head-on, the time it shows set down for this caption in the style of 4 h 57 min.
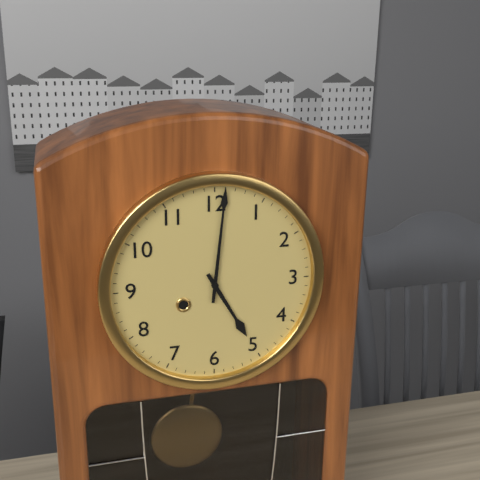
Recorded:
5 h 01 min
